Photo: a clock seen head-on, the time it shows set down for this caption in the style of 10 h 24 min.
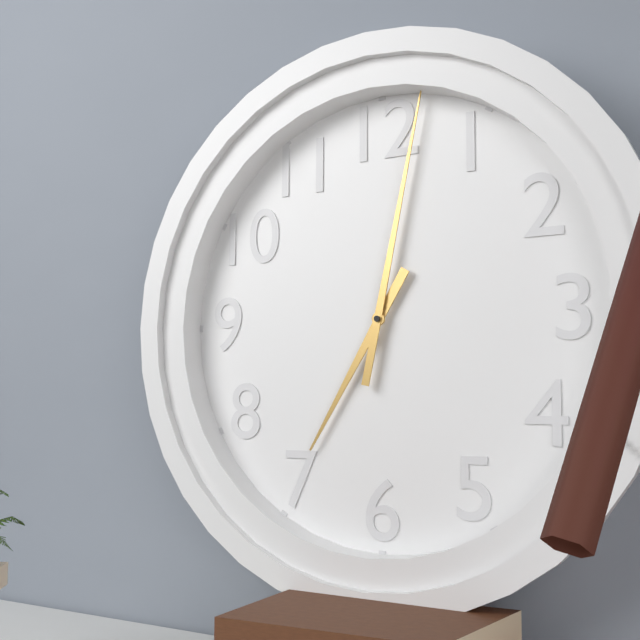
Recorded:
7 h 02 min
